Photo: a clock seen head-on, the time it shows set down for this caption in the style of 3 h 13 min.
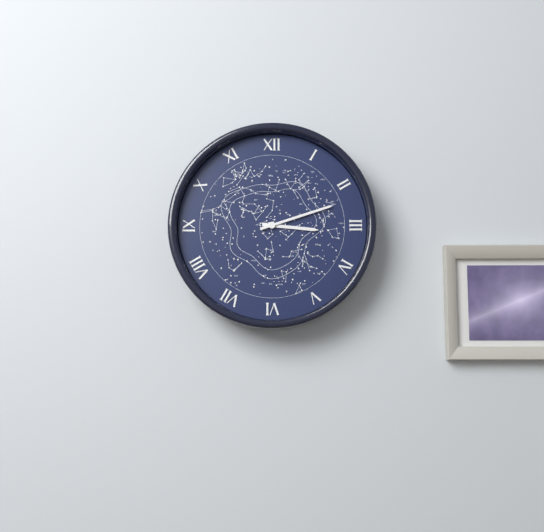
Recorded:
3 h 12 min
